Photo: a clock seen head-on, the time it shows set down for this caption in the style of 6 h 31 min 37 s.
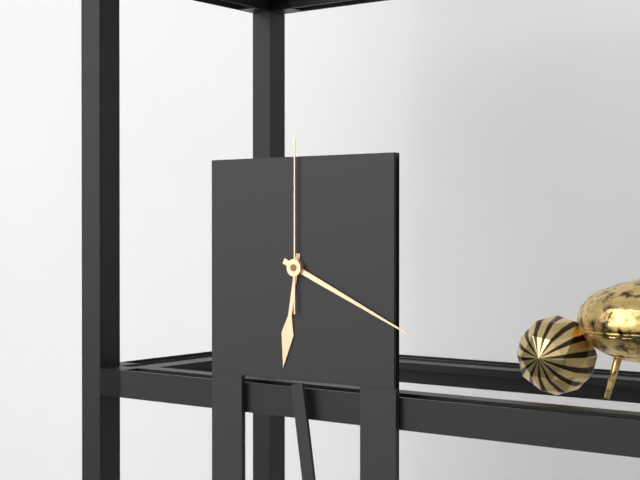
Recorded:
6 h 19 min 00 s
